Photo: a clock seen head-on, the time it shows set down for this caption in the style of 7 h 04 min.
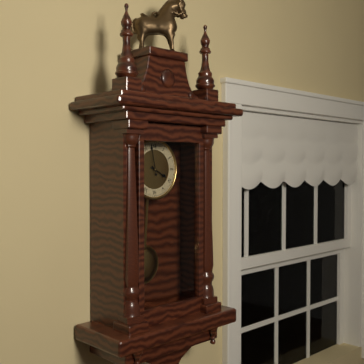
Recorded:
3 h 58 min
